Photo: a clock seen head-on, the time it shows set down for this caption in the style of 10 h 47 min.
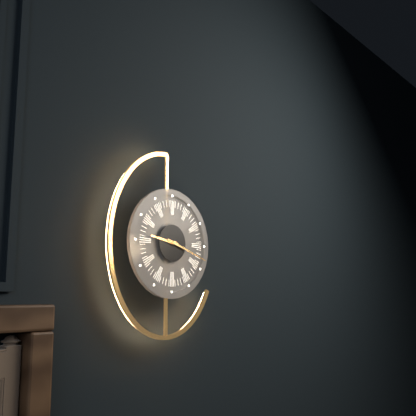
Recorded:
9 h 18 min
